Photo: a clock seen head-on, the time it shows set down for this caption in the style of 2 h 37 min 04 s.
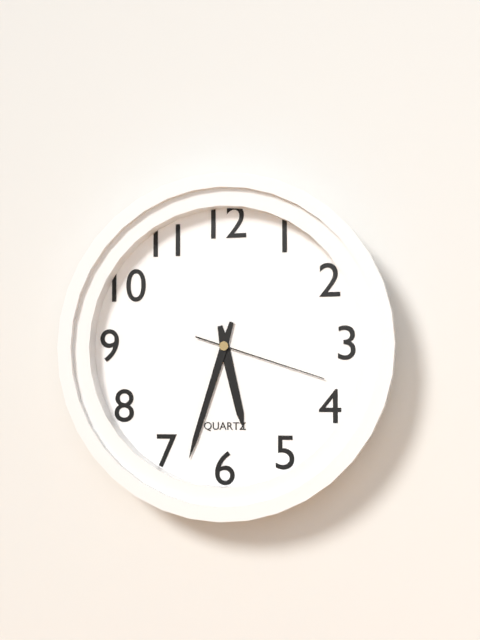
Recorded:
5 h 33 min 18 s
